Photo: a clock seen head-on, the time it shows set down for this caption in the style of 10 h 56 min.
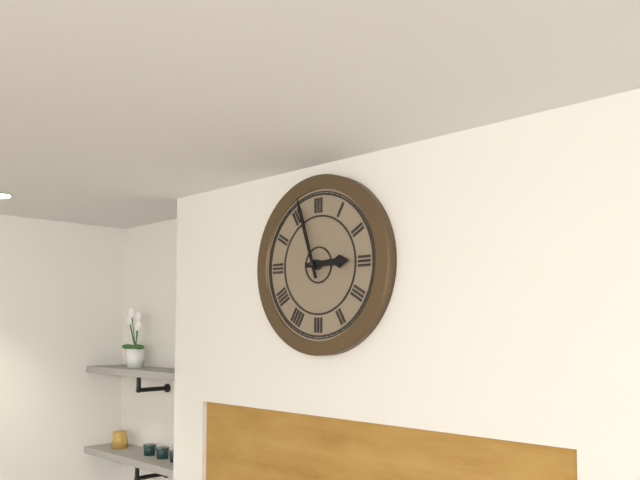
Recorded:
2 h 57 min
